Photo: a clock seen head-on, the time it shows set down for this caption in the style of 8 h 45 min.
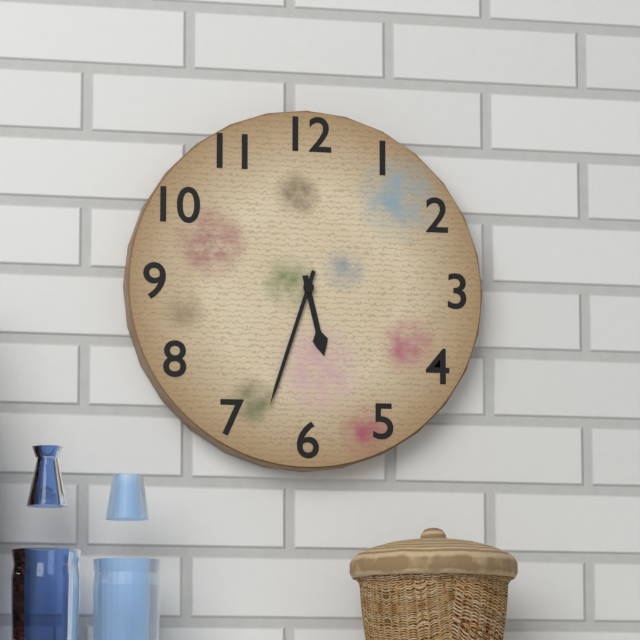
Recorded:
5 h 33 min
